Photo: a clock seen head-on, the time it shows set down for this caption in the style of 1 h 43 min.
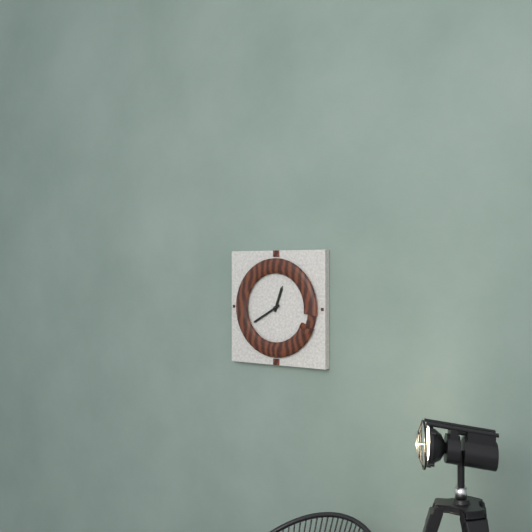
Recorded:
12 h 40 min
